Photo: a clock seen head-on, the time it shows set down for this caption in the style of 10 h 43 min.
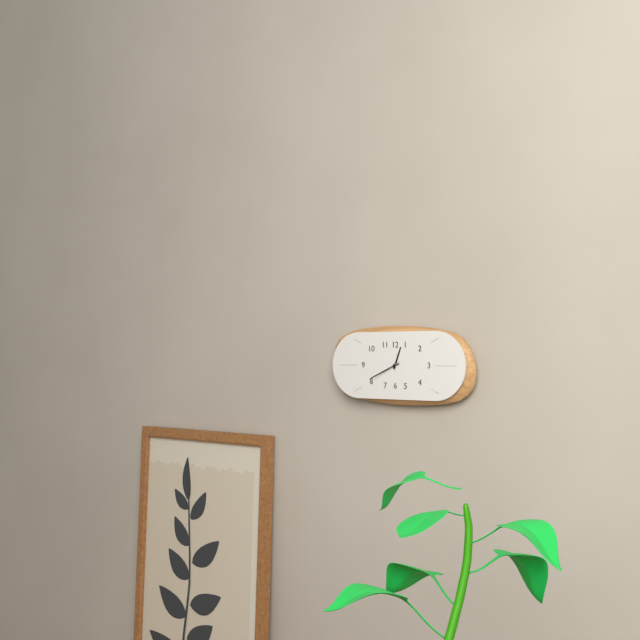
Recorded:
12 h 41 min
